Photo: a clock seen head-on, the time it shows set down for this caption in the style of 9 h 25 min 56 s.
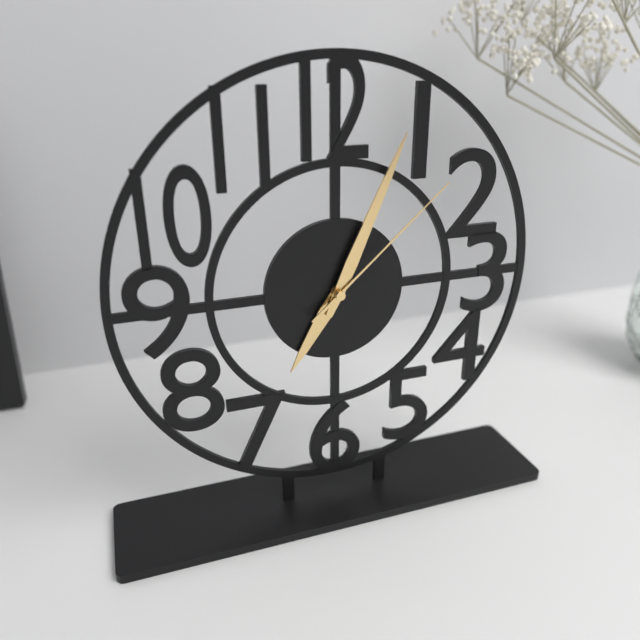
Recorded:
7 h 04 min 08 s
